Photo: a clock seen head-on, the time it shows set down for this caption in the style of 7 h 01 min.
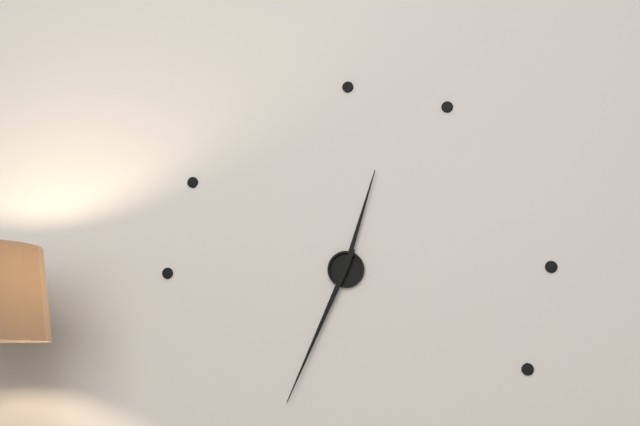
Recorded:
12 h 34 min
